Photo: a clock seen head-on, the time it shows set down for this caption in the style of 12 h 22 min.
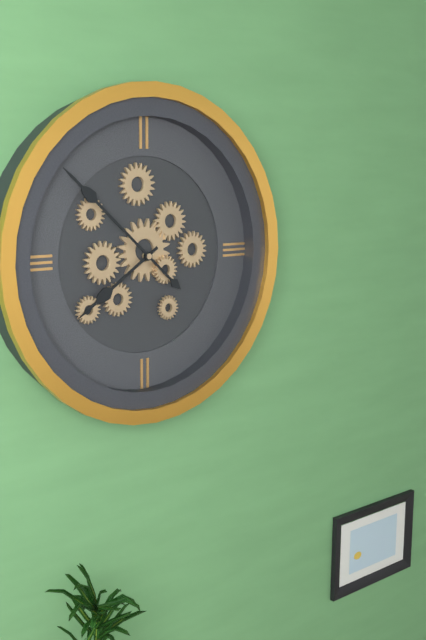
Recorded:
7 h 52 min
